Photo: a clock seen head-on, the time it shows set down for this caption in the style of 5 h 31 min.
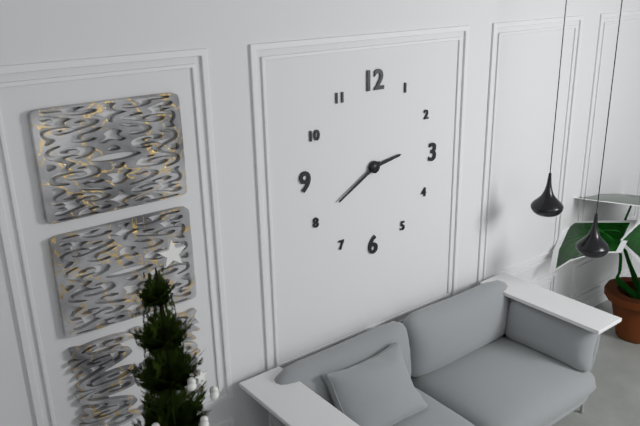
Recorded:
2 h 40 min
